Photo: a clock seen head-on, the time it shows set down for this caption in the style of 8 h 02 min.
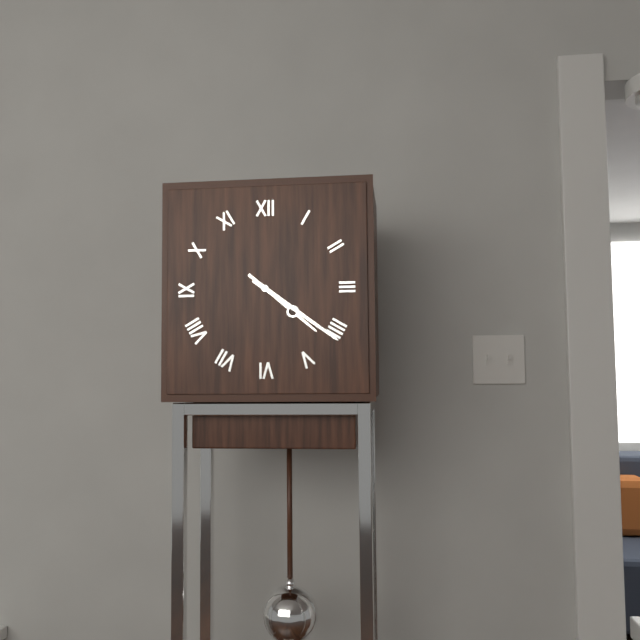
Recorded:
4 h 21 min
